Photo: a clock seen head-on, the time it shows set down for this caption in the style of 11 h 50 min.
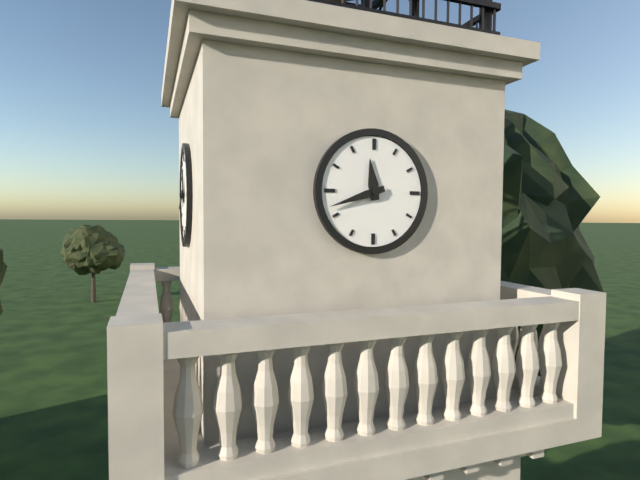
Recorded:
11 h 42 min
